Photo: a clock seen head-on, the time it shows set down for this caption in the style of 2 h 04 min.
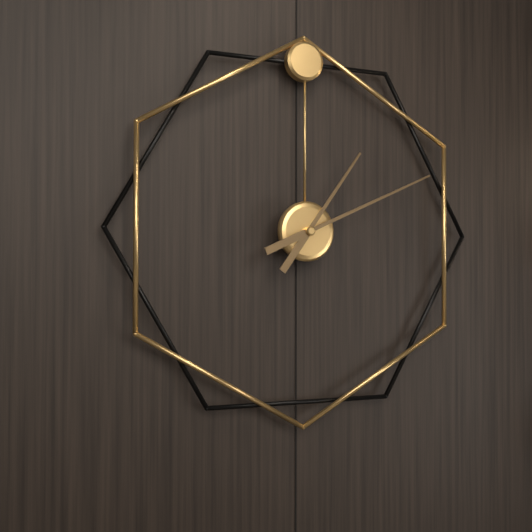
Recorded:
1 h 11 min
